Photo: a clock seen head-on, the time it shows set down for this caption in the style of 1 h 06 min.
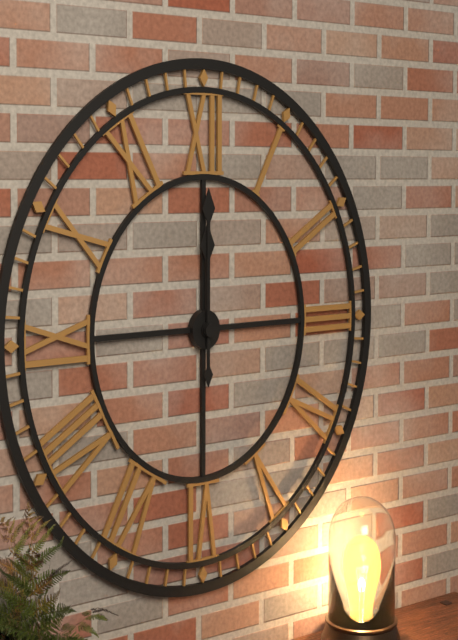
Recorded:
12 h 00 min
